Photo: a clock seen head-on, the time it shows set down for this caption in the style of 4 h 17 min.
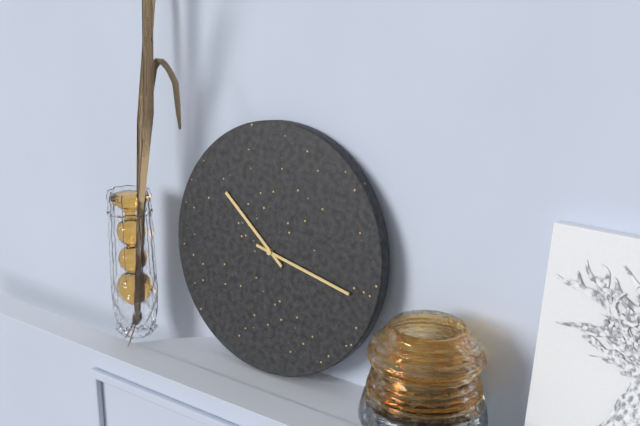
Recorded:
10 h 17 min
